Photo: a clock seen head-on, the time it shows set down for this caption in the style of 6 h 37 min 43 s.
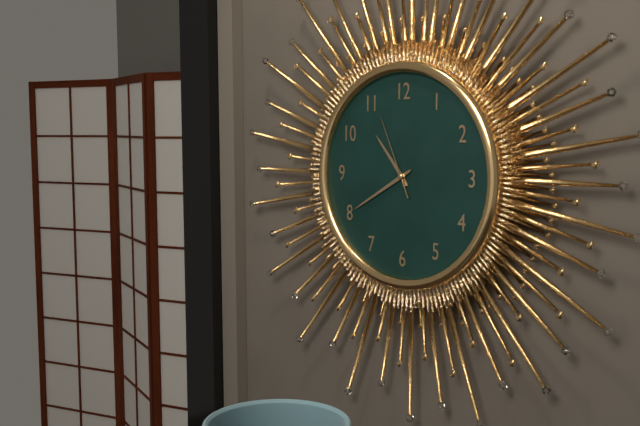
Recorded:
10 h 40 min 56 s
